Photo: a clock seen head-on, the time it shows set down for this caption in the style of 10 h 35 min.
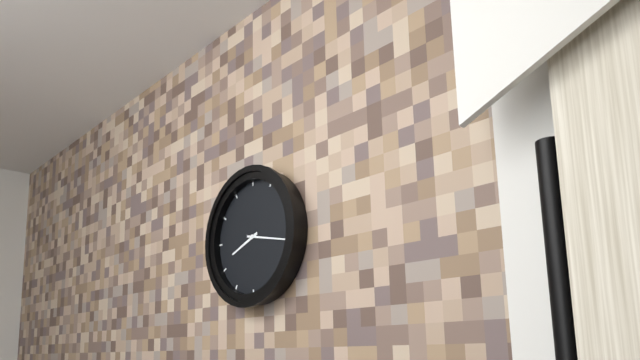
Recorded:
8 h 17 min
